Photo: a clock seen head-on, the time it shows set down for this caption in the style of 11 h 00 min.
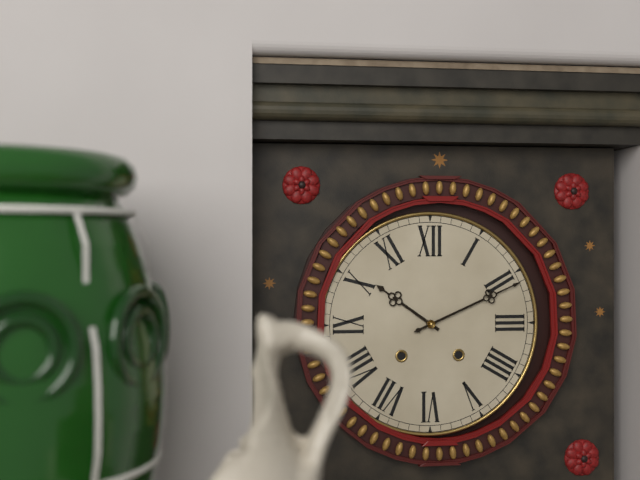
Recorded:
10 h 11 min
